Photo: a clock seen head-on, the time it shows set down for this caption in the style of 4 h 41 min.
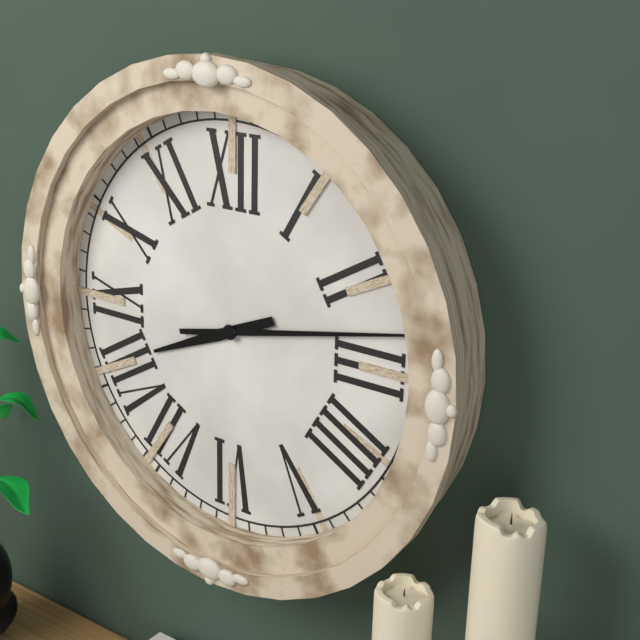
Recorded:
8 h 13 min
